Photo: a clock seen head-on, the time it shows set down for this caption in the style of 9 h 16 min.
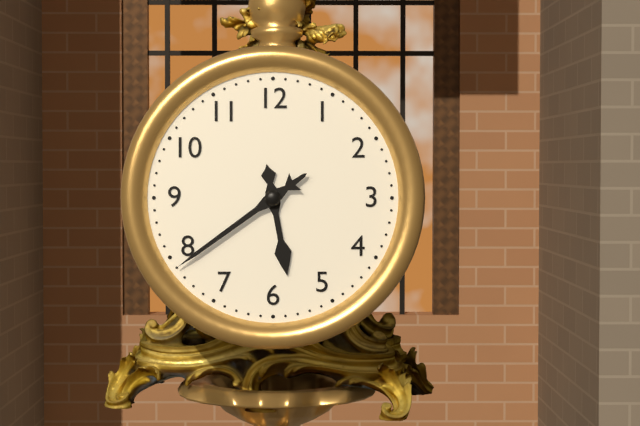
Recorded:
5 h 39 min
